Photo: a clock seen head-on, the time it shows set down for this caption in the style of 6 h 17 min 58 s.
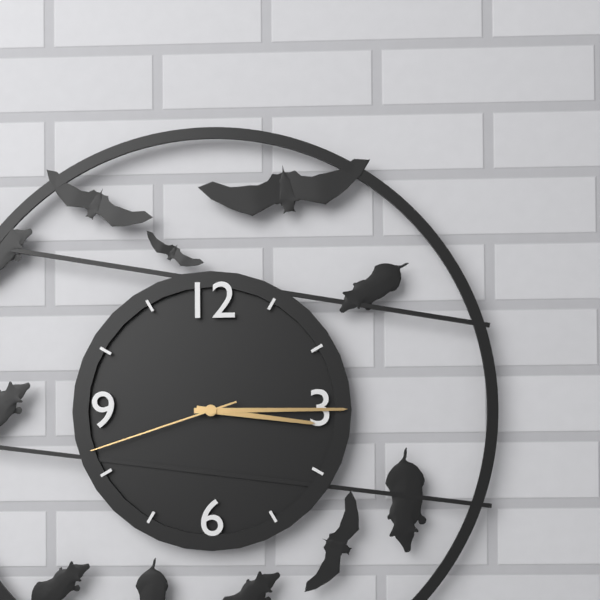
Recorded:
3 h 15 min 42 s
